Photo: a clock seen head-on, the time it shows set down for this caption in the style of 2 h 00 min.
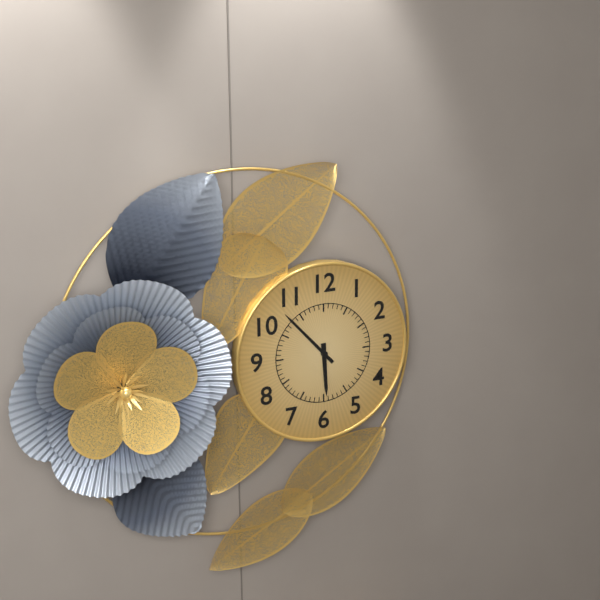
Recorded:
5 h 53 min
